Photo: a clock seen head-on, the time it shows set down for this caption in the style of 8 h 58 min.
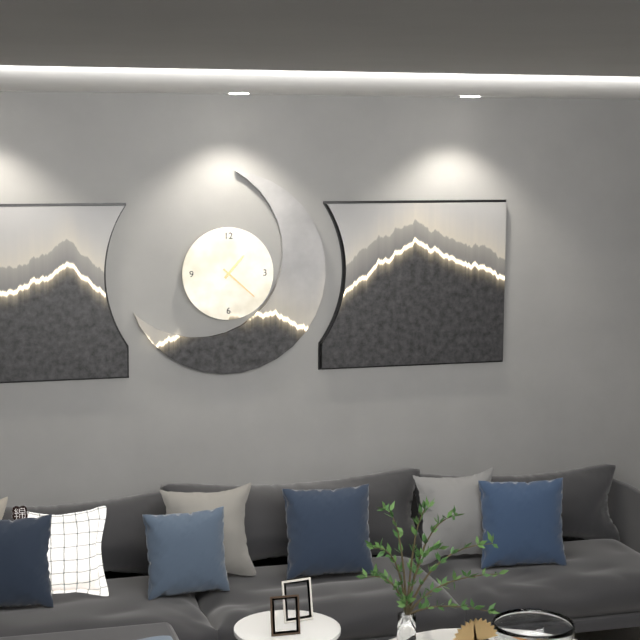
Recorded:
1 h 22 min
